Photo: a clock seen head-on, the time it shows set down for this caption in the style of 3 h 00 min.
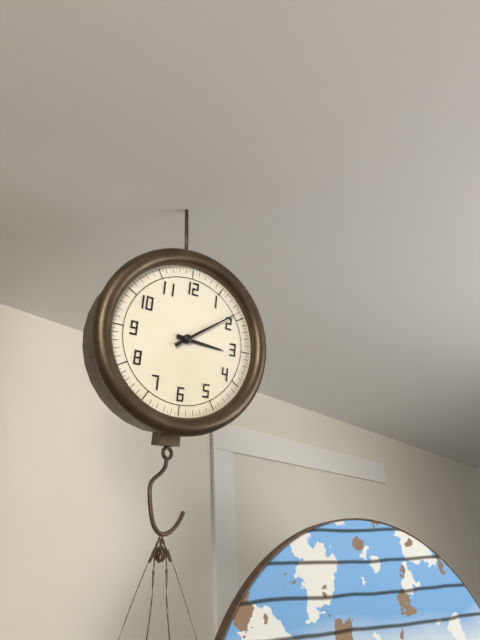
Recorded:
3 h 09 min
